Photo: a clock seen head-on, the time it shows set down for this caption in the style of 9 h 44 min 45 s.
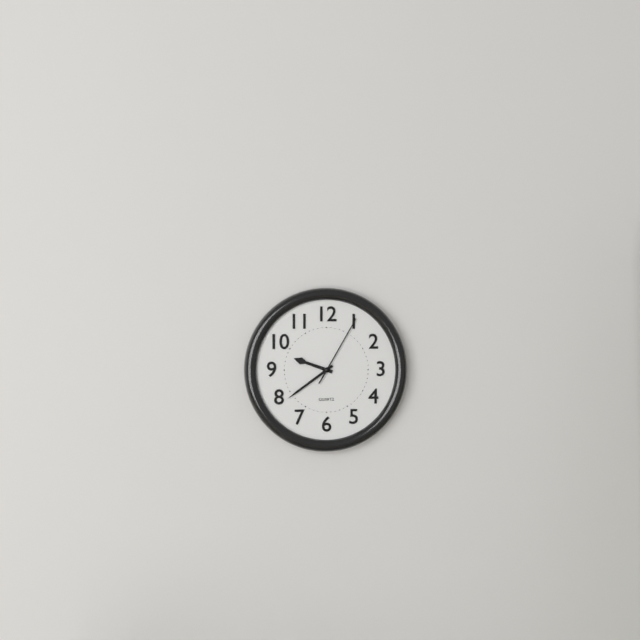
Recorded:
9 h 39 min 05 s
